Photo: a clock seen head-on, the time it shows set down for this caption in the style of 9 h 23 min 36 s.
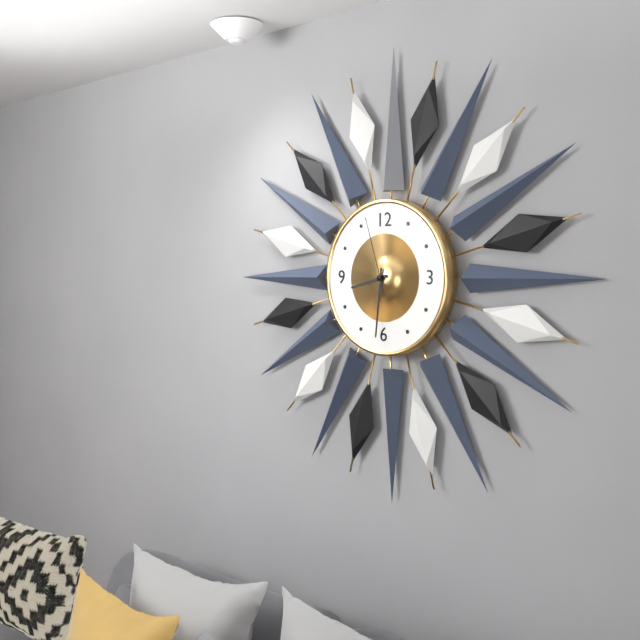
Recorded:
8 h 31 min 57 s
